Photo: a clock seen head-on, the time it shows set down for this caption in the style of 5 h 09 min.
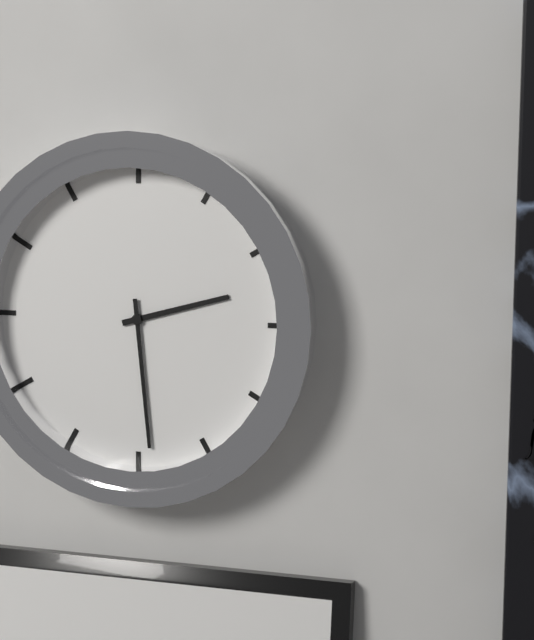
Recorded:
2 h 29 min
